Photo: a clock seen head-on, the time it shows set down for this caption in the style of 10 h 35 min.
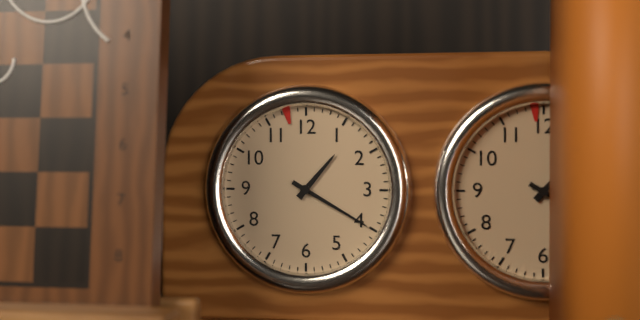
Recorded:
1 h 20 min
